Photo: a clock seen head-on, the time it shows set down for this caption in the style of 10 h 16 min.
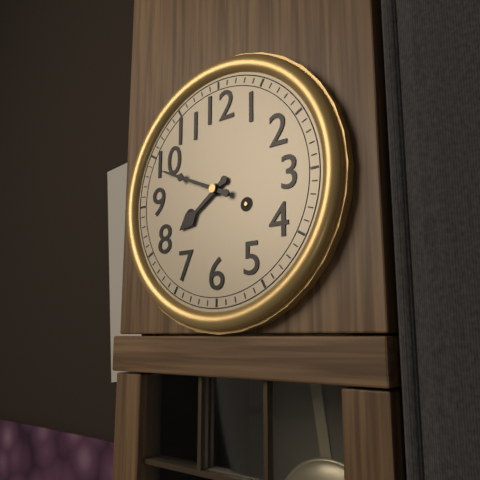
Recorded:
7 h 49 min
